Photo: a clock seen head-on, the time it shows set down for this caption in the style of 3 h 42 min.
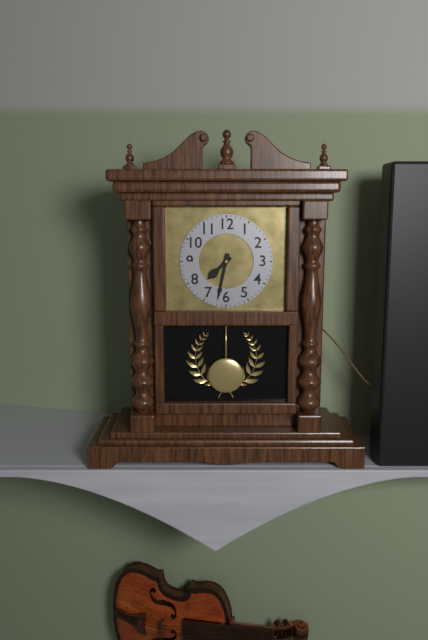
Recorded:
7 h 32 min
